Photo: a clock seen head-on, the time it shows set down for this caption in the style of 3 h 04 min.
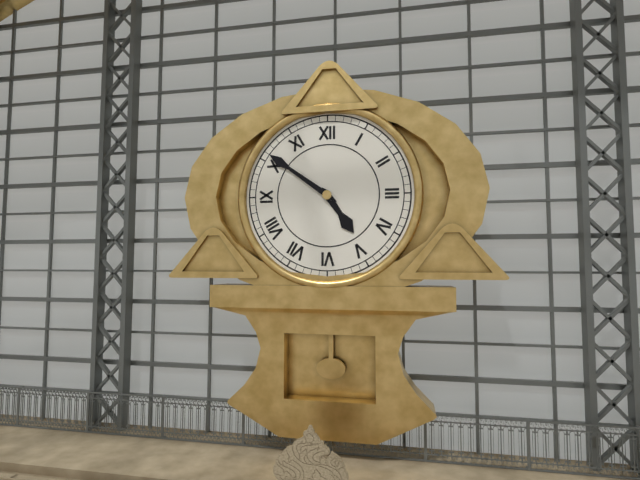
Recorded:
4 h 51 min
